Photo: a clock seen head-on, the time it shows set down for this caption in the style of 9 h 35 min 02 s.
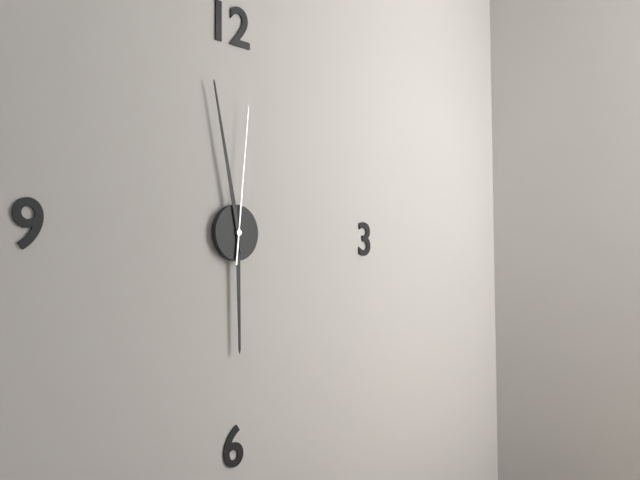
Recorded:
5 h 58 min 01 s
